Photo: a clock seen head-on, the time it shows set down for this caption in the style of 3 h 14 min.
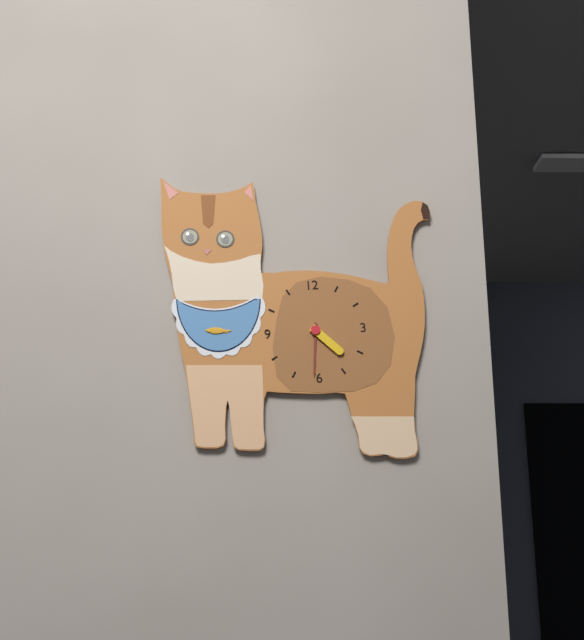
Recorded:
4 h 31 min
